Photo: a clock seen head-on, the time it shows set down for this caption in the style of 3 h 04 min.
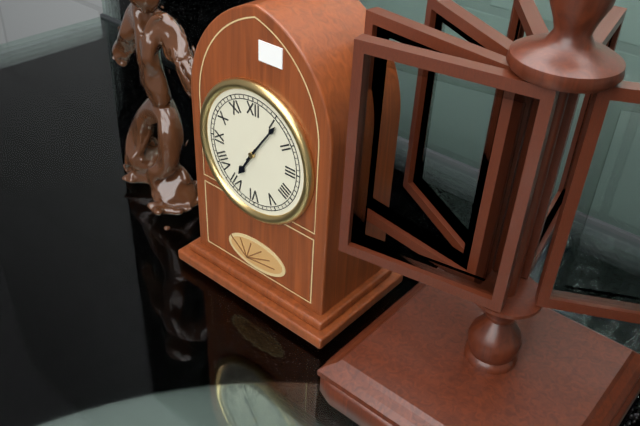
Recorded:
7 h 06 min
